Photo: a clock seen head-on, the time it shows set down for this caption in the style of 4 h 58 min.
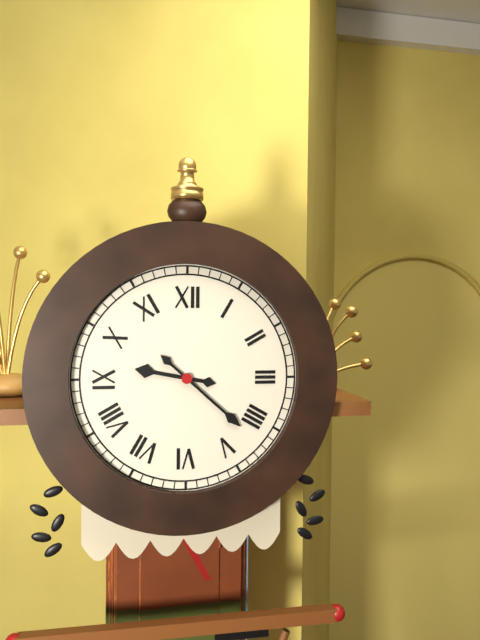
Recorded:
9 h 22 min
